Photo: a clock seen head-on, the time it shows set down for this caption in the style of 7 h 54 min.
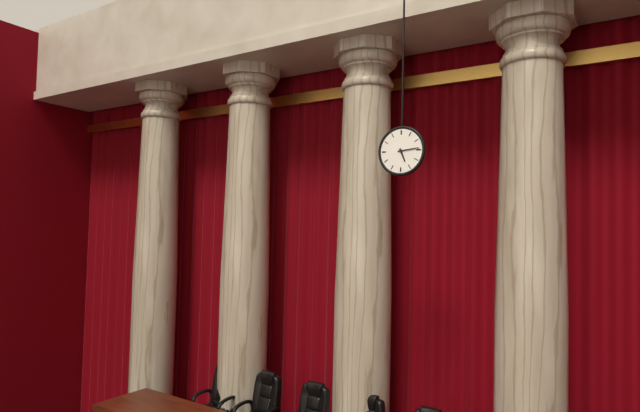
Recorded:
5 h 14 min
